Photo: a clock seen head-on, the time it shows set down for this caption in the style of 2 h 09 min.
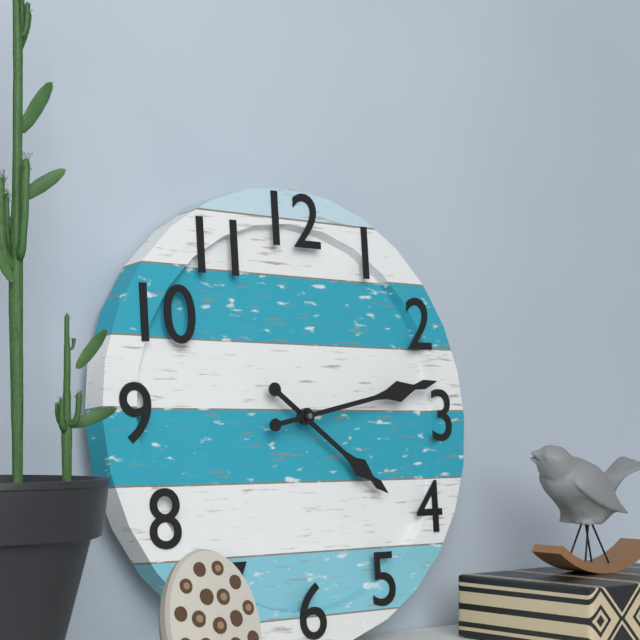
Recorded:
4 h 13 min
